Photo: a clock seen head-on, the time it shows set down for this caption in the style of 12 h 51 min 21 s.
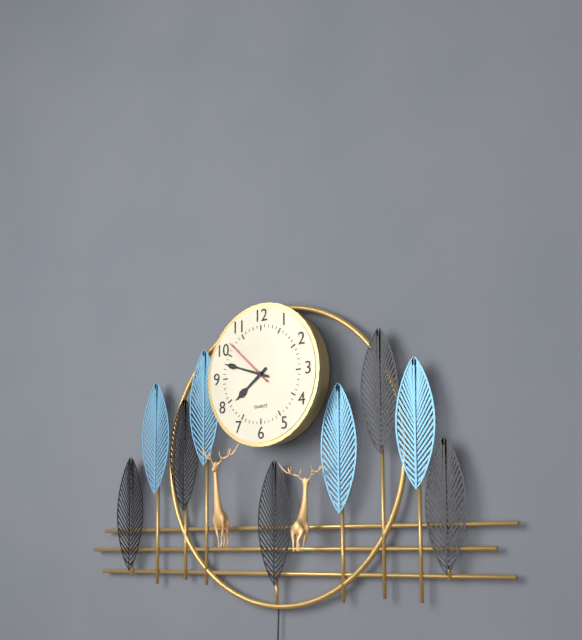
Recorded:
7 h 48 min 52 s
